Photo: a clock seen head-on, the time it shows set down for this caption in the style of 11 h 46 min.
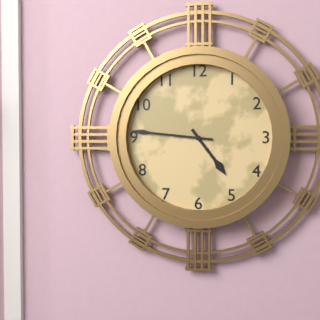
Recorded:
4 h 46 min
